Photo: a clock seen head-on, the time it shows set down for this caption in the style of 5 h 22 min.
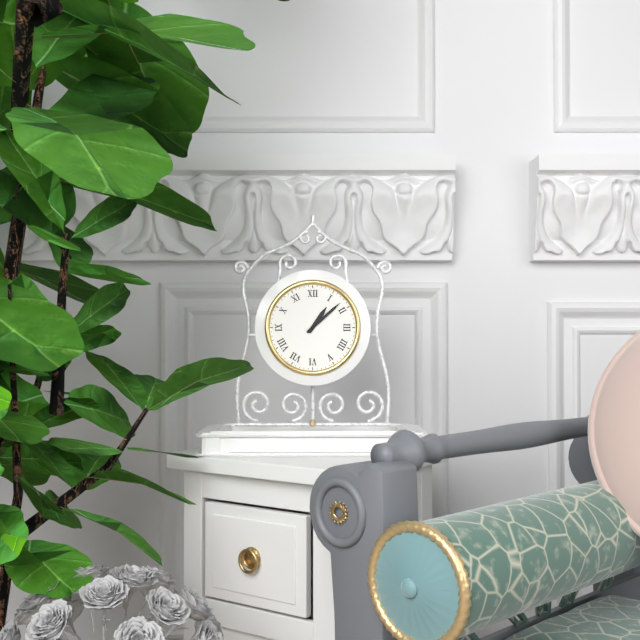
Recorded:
1 h 08 min
